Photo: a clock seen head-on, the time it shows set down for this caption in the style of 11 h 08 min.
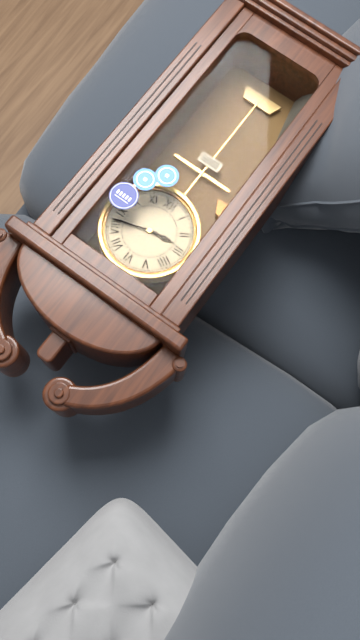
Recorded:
2 h 42 min
